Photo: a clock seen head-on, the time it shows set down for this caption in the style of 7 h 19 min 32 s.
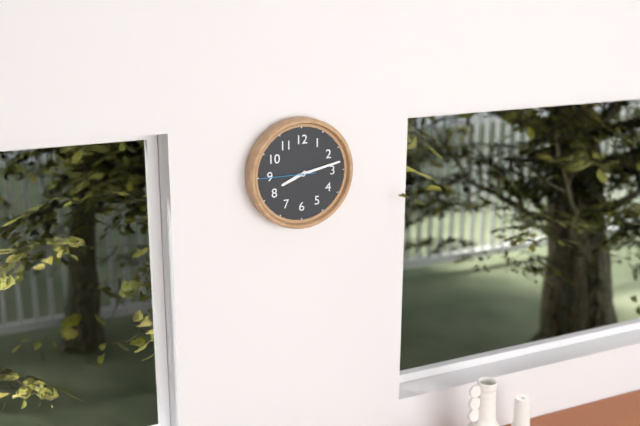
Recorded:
8 h 13 min 45 s
